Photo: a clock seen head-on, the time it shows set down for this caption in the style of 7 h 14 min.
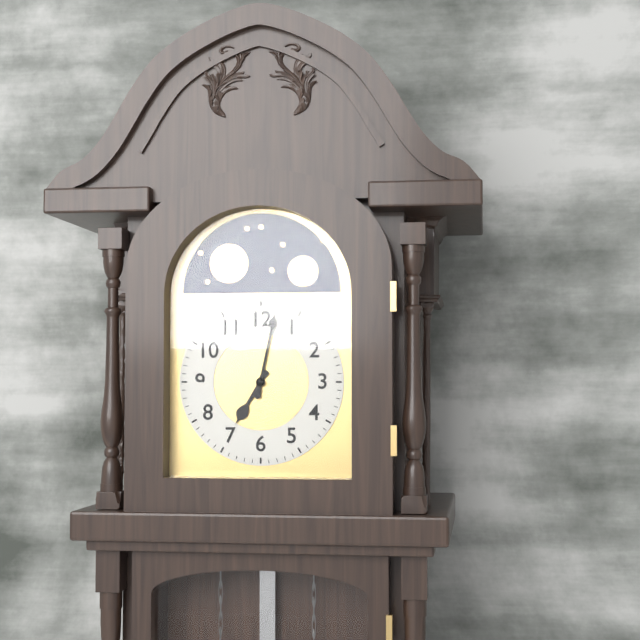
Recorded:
7 h 02 min
